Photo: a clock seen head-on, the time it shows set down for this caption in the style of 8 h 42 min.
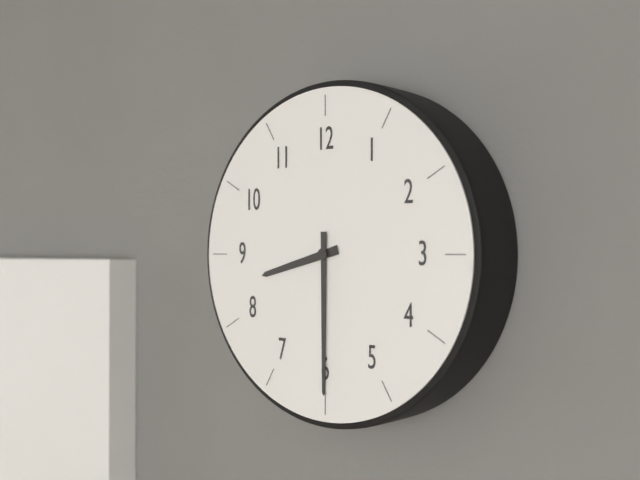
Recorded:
8 h 30 min
